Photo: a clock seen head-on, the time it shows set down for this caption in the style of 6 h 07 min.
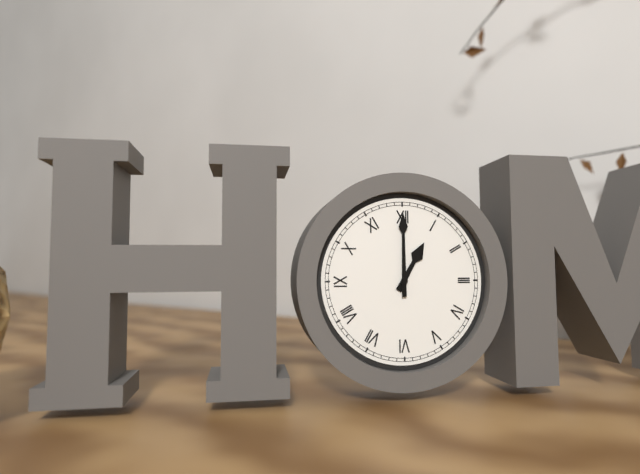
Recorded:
1 h 00 min
